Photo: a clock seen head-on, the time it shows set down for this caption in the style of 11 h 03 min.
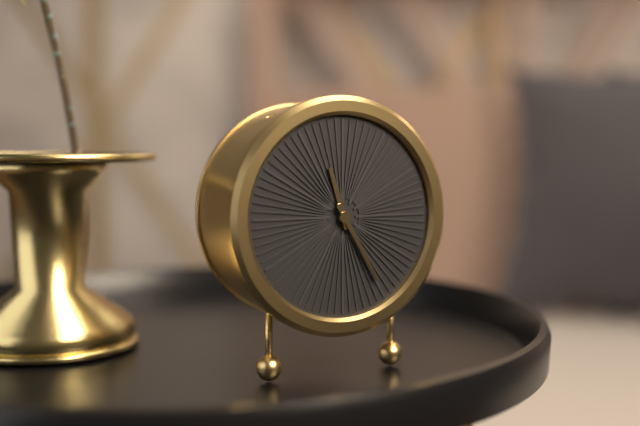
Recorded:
11 h 25 min
